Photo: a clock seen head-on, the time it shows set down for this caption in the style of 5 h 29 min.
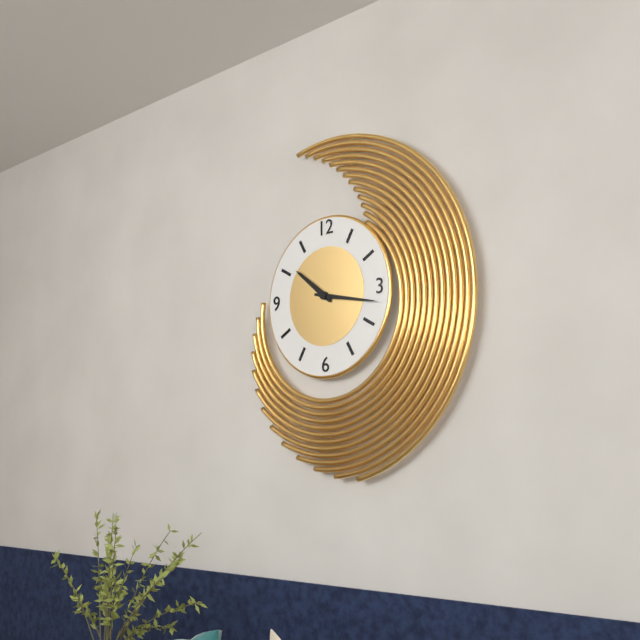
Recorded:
10 h 17 min
